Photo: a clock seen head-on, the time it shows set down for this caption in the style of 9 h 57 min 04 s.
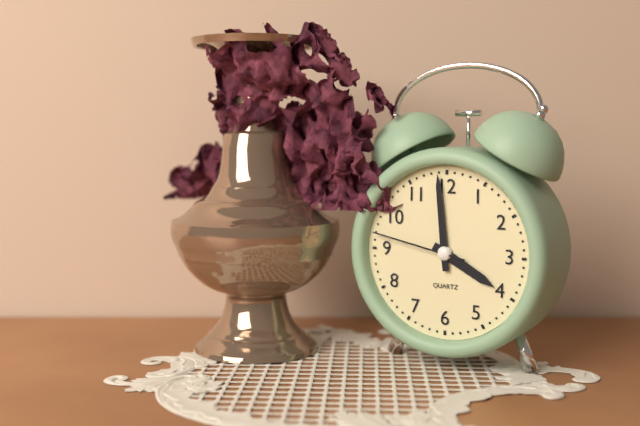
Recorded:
3 h 59 min 47 s
